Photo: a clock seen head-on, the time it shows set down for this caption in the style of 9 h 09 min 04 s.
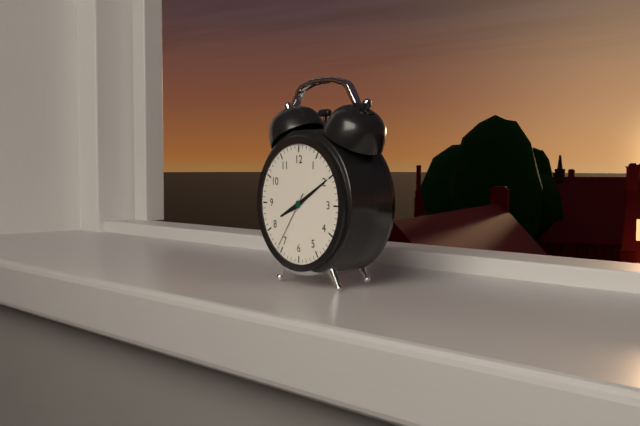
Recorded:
8 h 10 min 36 s
